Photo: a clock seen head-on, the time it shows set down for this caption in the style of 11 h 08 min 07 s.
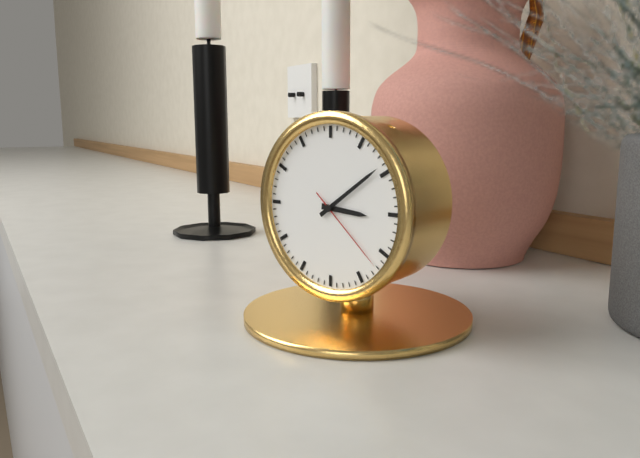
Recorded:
3 h 09 min 22 s
